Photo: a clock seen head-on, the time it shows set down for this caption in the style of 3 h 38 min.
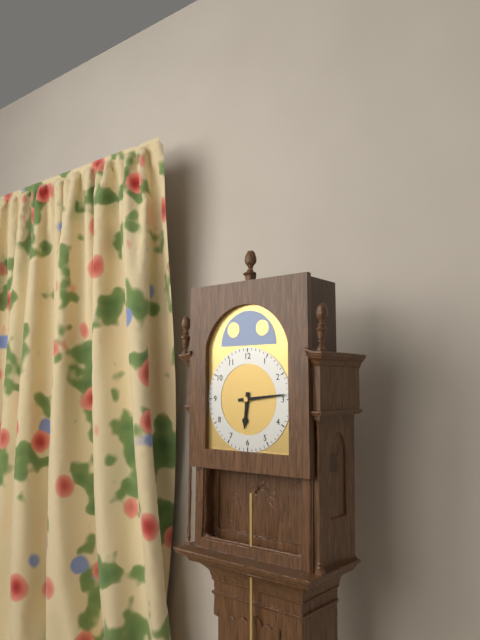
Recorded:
6 h 14 min
